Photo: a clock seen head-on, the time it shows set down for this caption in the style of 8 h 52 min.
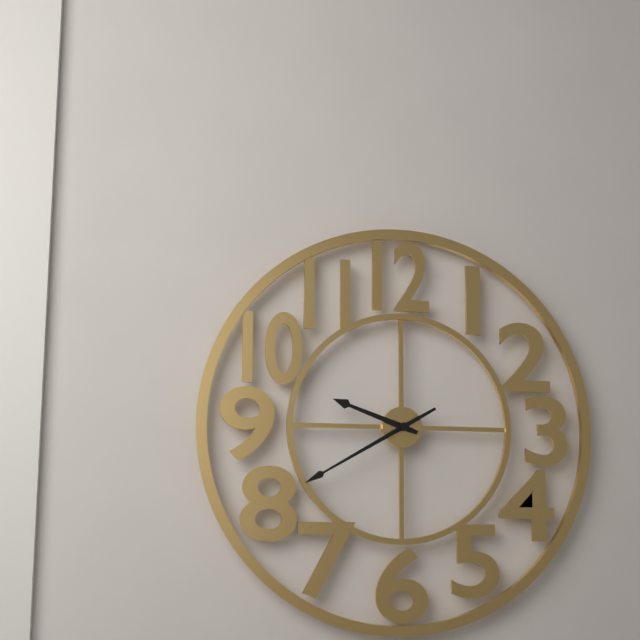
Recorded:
9 h 40 min
